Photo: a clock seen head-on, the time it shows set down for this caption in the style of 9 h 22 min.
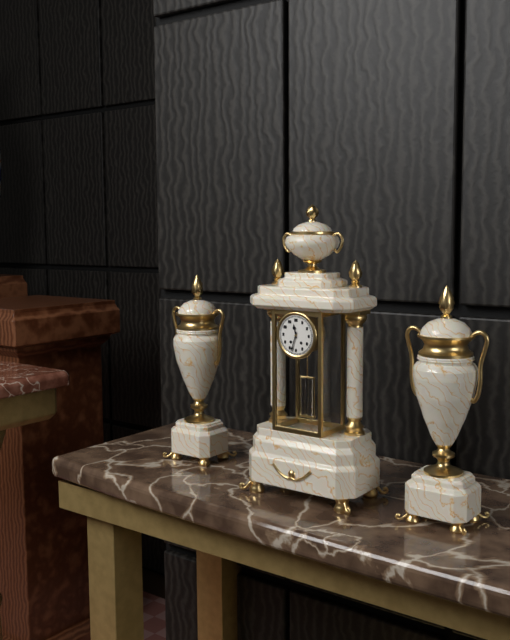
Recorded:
11 h 33 min
